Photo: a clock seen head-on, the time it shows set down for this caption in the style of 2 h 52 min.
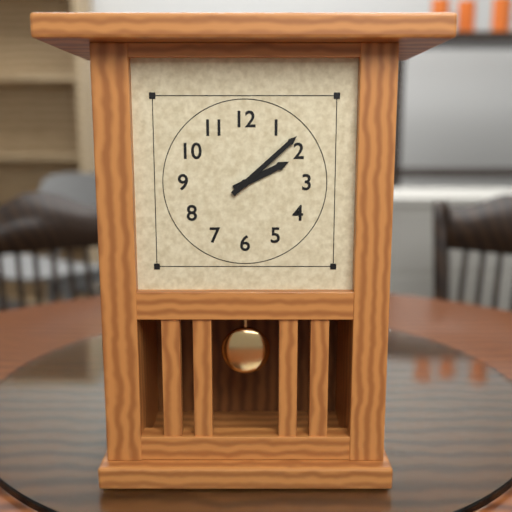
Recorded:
2 h 08 min
